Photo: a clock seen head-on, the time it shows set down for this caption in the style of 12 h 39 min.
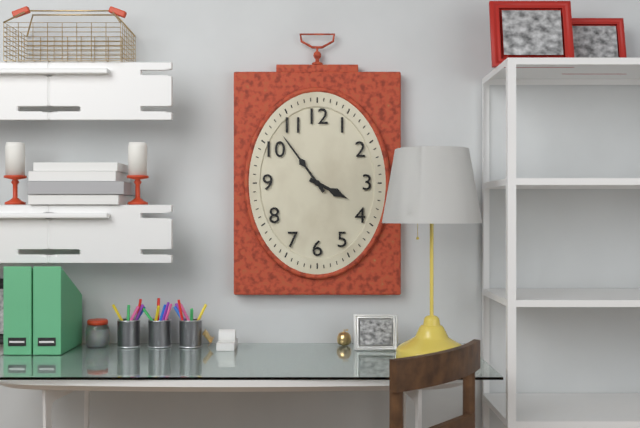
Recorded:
3 h 54 min
